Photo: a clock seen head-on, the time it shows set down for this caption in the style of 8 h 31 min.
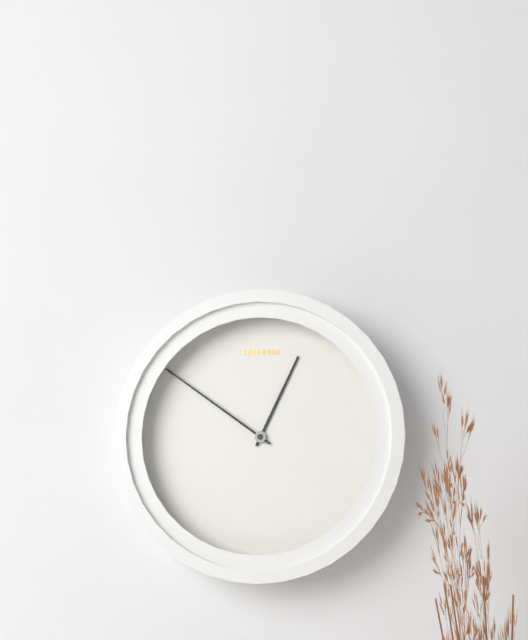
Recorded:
12 h 51 min
